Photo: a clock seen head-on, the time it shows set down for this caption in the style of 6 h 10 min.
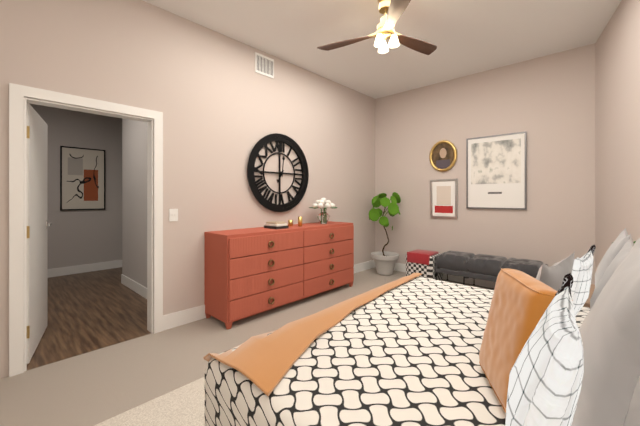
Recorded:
7 h 01 min
